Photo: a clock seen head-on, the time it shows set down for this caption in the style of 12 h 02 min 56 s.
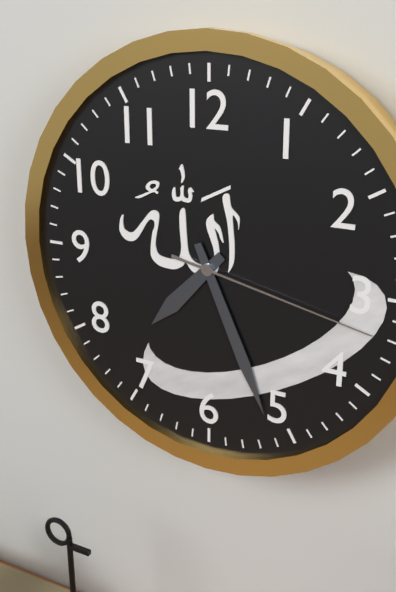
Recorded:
7 h 26 min 17 s
